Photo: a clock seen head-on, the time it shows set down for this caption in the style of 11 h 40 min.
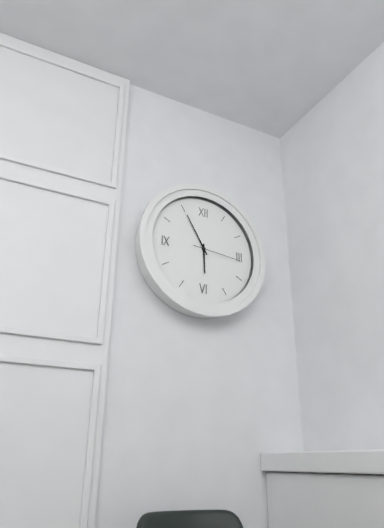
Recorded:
5 h 55 min
